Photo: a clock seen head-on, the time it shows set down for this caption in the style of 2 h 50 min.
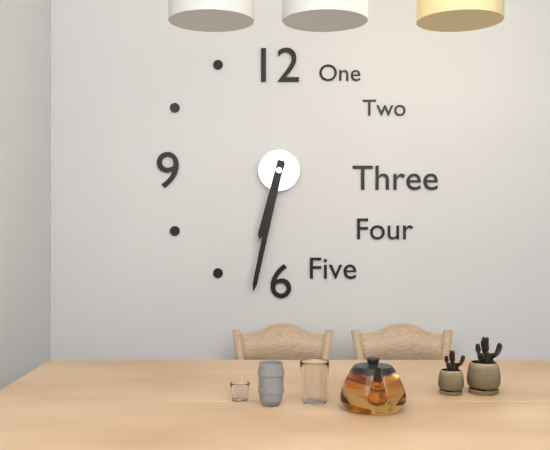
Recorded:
6 h 32 min
